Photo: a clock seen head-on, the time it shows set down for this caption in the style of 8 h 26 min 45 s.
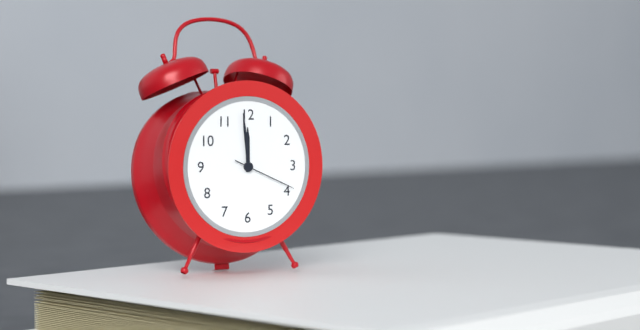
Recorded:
11 h 59 min 19 s
